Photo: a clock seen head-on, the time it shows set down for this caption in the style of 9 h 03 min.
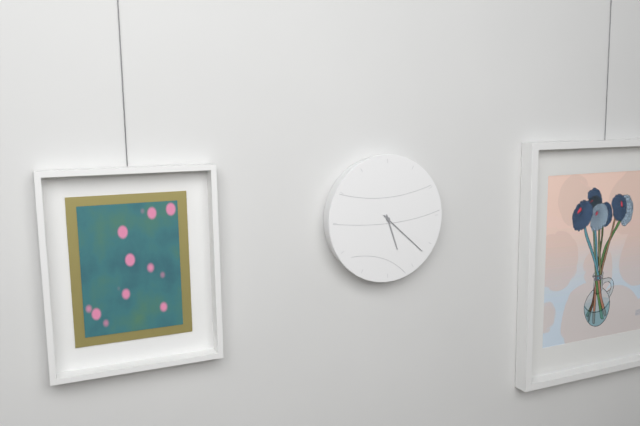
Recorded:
5 h 22 min
